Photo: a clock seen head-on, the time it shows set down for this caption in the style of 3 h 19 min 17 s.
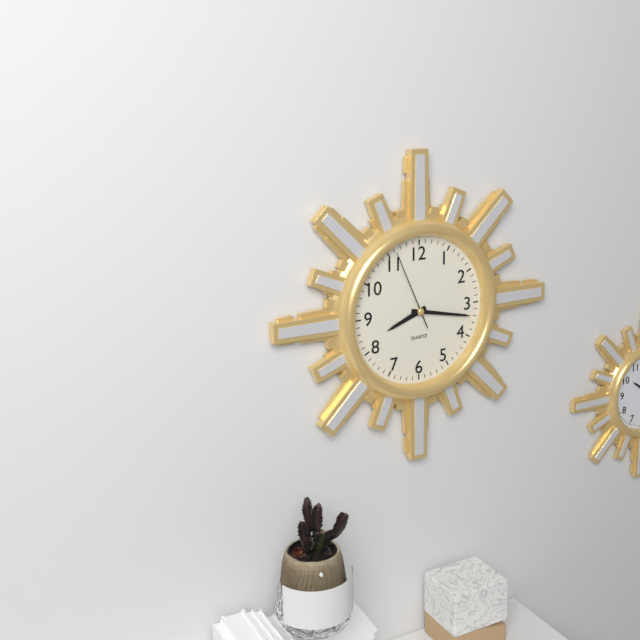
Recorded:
8 h 17 min 56 s
